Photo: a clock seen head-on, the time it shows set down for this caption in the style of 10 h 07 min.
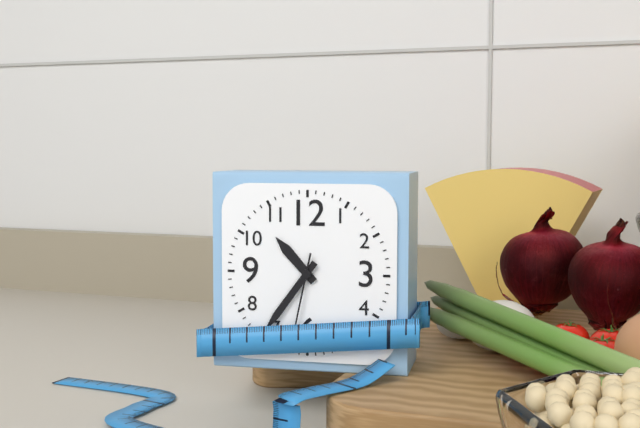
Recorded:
10 h 36 min
